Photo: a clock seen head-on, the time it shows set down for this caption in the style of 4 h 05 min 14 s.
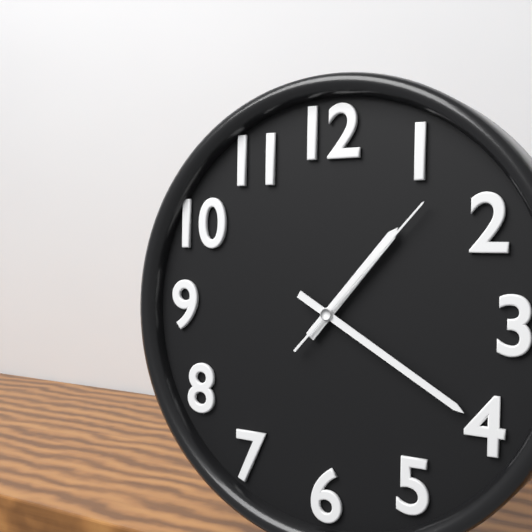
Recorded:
1 h 20 min 07 s
